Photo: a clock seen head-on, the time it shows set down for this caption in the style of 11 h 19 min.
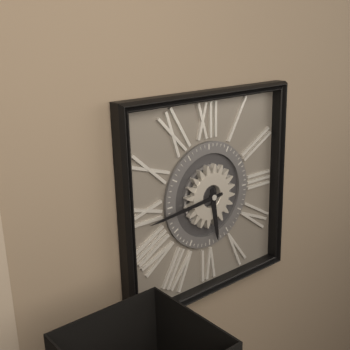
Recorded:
5 h 44 min
